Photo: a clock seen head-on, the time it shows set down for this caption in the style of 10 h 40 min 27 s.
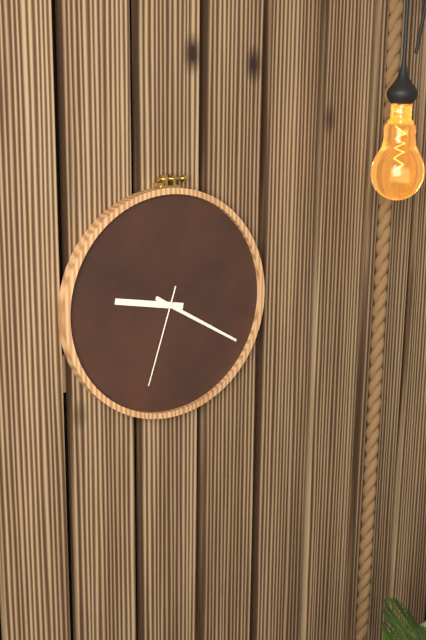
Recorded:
9 h 20 min 33 s
